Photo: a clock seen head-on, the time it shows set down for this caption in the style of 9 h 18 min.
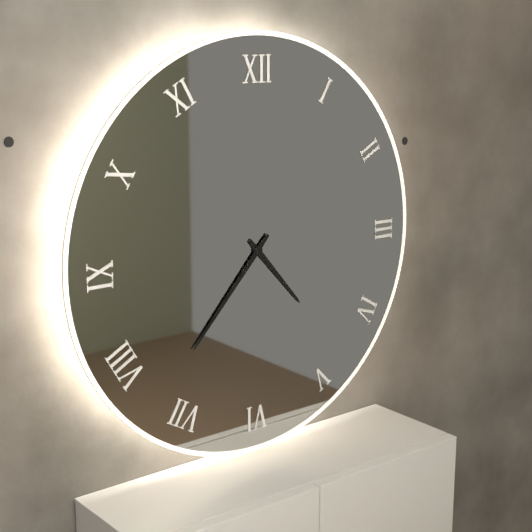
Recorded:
4 h 37 min
